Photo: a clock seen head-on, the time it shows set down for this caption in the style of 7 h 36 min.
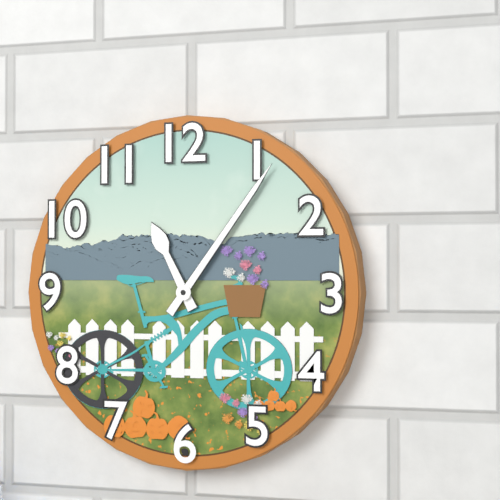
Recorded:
11 h 06 min
